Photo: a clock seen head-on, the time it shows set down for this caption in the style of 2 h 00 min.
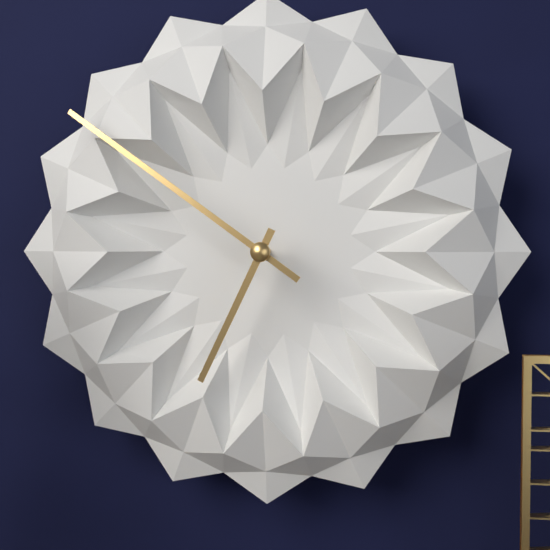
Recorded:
6 h 51 min
